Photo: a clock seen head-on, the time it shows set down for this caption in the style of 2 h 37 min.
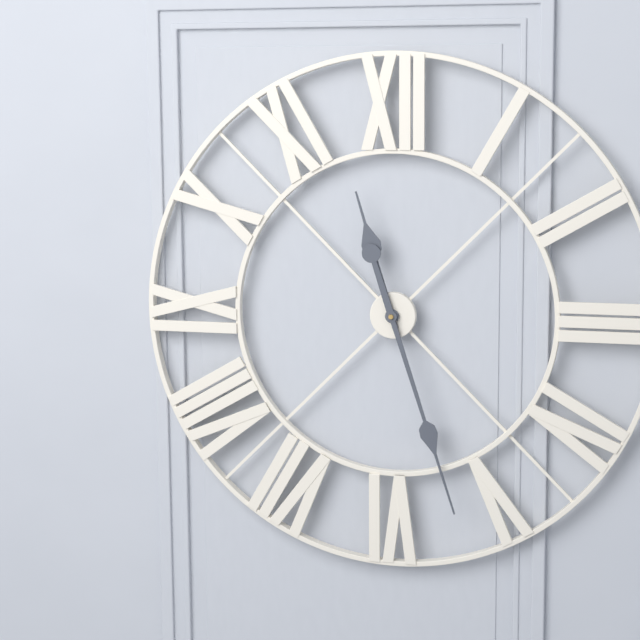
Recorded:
11 h 27 min
